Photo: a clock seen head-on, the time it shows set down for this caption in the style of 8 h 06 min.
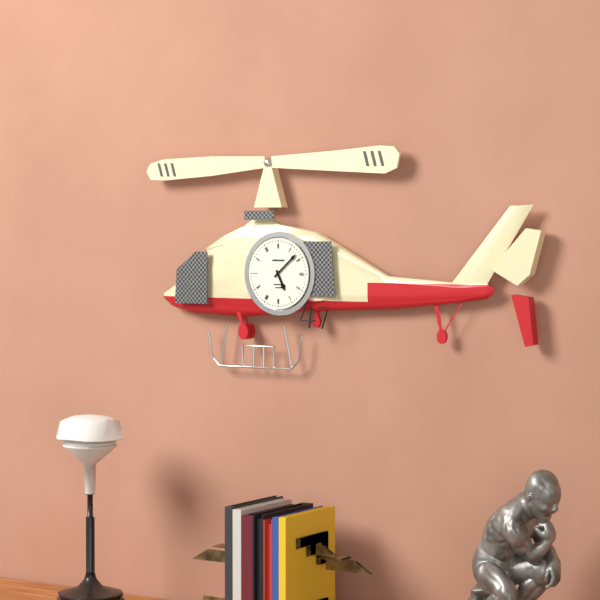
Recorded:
5 h 08 min
